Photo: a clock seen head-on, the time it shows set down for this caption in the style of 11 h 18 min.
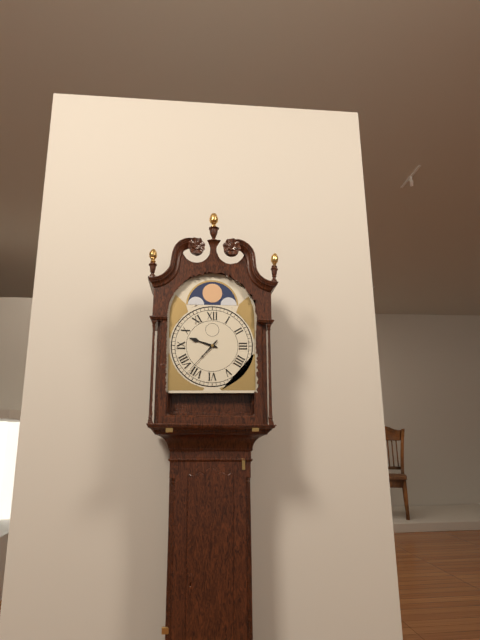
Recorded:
9 h 37 min
